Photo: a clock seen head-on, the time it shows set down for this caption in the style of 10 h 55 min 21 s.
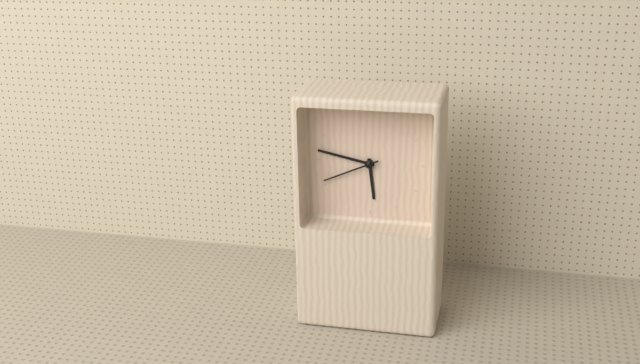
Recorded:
5 h 47 min 41 s
